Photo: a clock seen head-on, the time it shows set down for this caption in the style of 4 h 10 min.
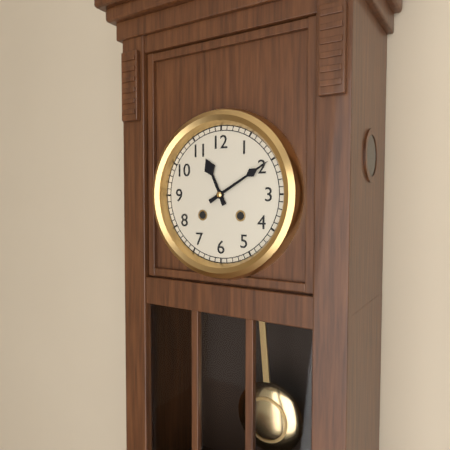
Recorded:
11 h 10 min
